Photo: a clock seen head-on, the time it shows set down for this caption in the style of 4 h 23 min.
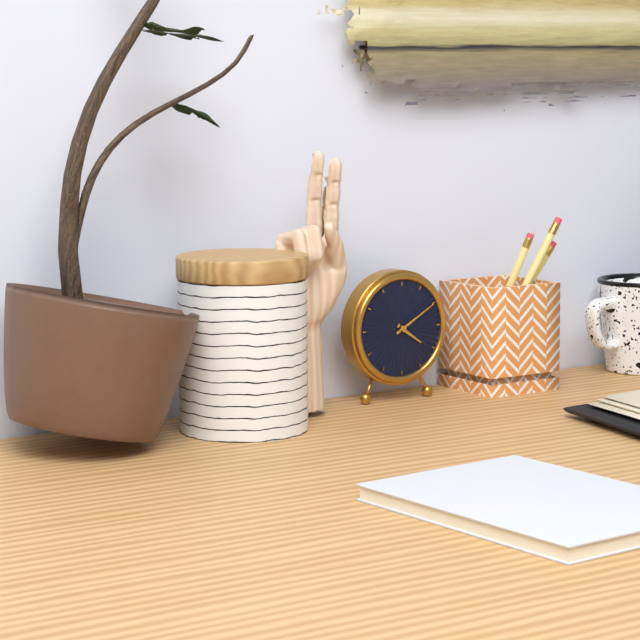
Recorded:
4 h 10 min
